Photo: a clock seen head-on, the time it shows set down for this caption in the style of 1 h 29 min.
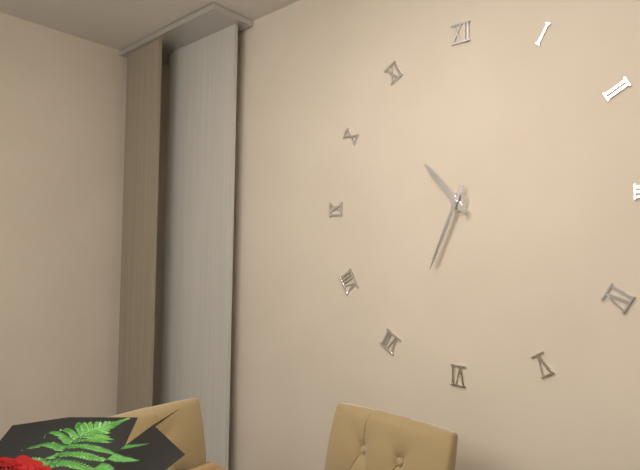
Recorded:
10 h 34 min
